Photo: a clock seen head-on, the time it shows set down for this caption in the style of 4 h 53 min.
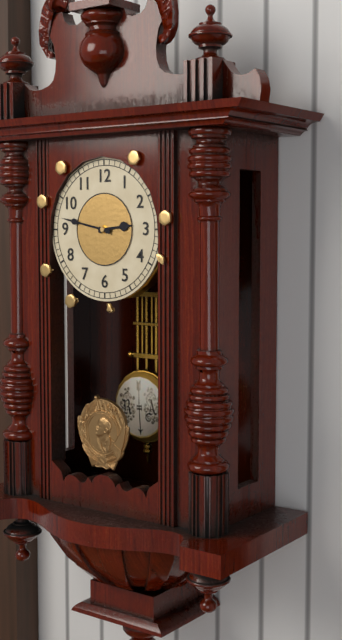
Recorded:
2 h 47 min
